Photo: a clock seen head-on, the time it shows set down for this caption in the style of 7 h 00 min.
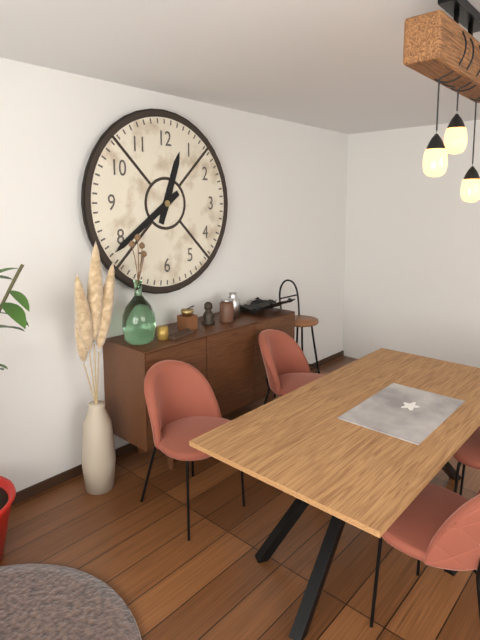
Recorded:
12 h 39 min
